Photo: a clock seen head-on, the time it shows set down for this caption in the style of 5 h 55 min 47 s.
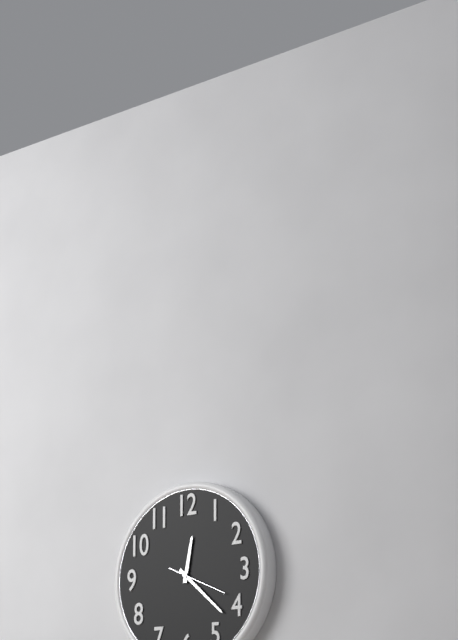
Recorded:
12 h 22 min 19 s
